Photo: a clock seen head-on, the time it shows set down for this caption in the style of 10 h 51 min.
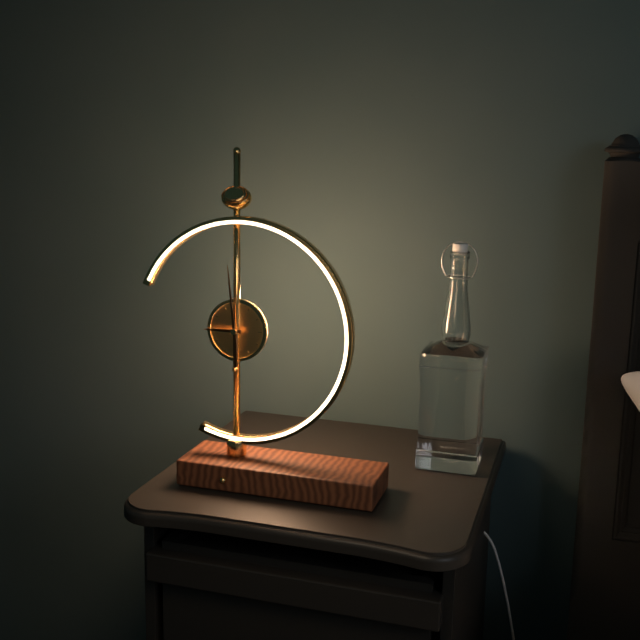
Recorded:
8 h 59 min
